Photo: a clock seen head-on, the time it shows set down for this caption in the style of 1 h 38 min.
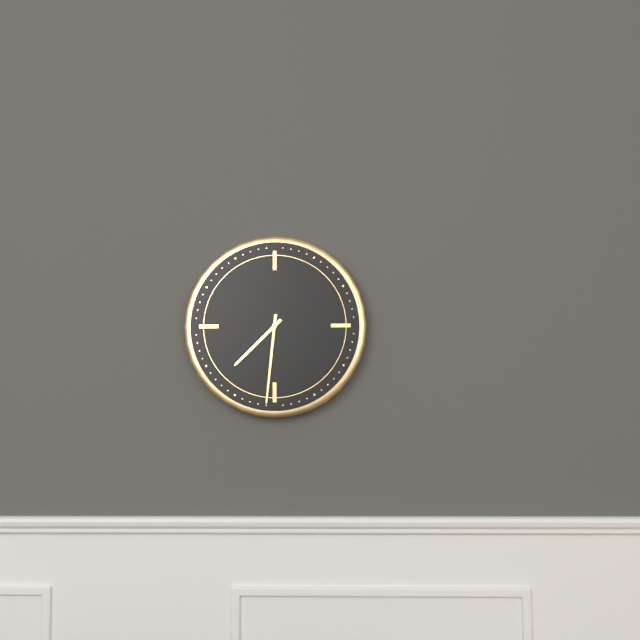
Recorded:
7 h 31 min
